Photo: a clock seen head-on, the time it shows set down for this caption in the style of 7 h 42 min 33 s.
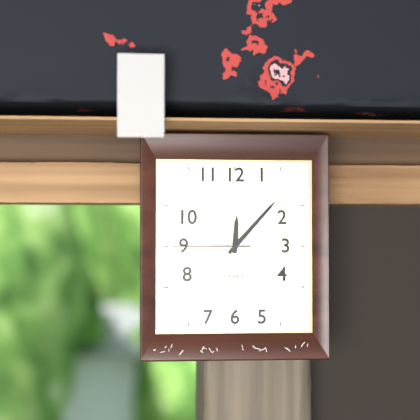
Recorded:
12 h 07 min 45 s
